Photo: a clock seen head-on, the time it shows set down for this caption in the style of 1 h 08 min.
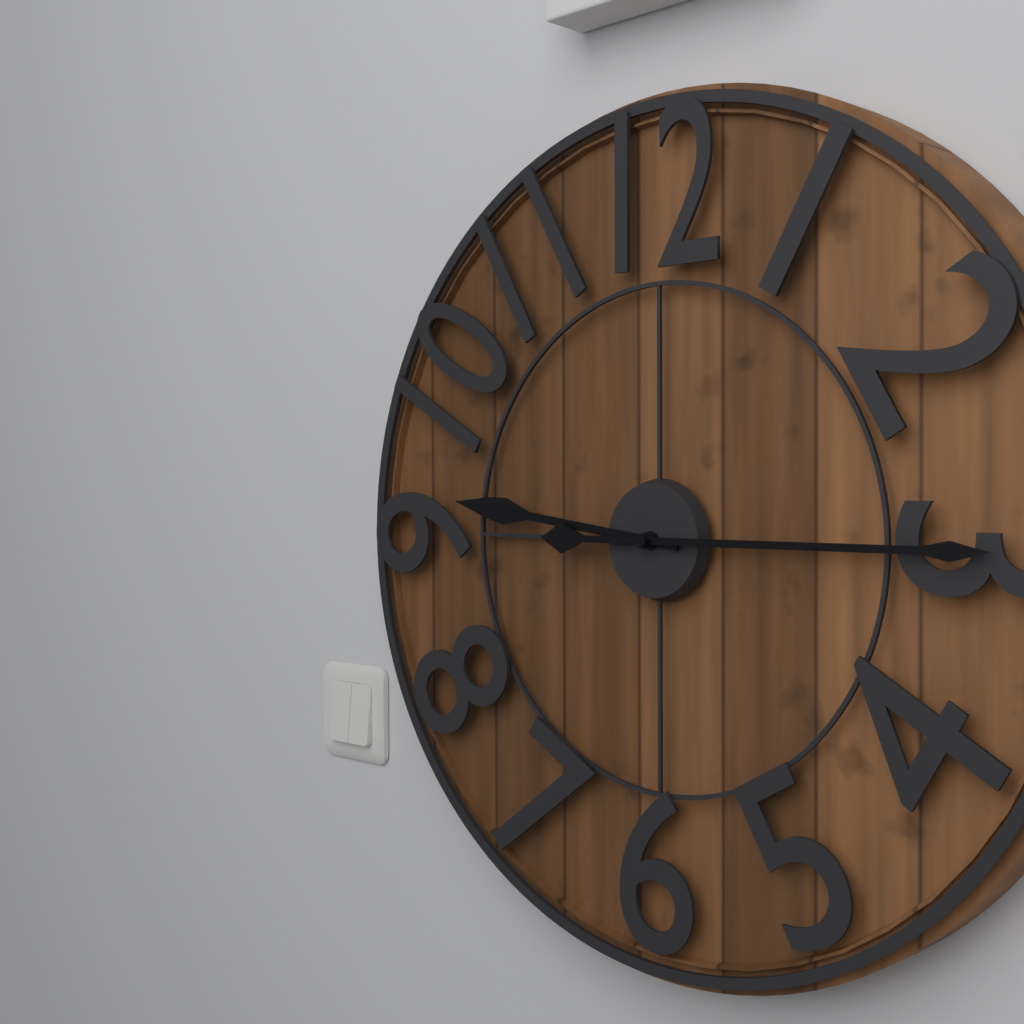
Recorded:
9 h 15 min
